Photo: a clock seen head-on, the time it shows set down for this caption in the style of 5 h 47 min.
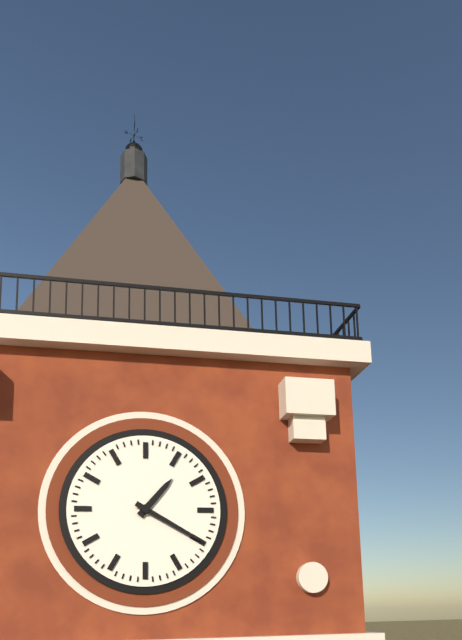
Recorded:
1 h 20 min
